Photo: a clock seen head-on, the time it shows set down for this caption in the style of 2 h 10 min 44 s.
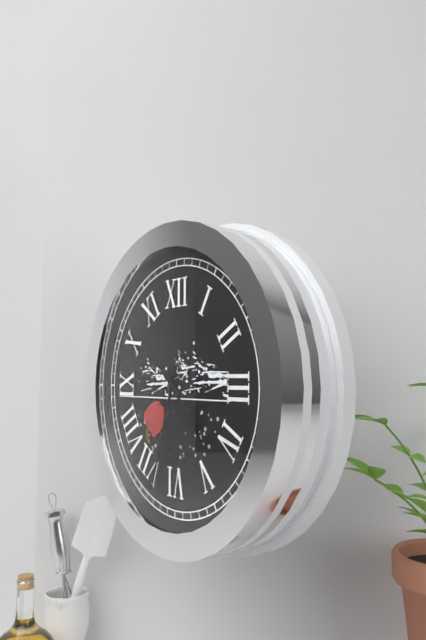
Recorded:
4 h 33 min 32 s
